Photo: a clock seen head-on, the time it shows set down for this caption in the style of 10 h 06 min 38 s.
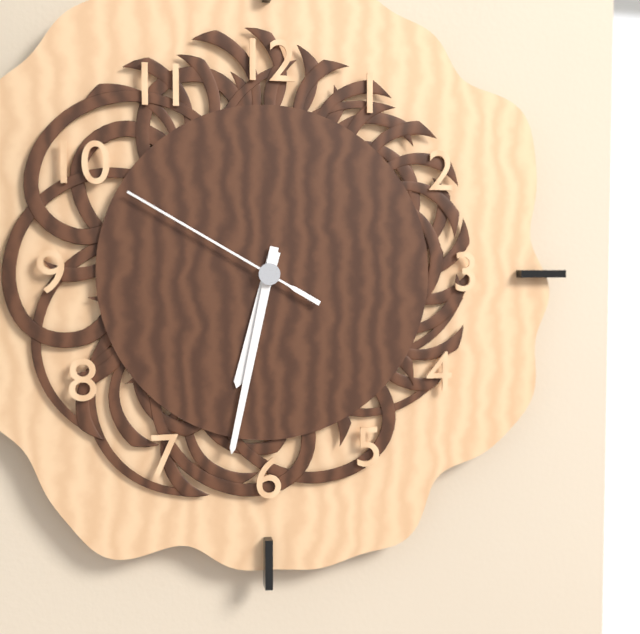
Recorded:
6 h 32 min 50 s
